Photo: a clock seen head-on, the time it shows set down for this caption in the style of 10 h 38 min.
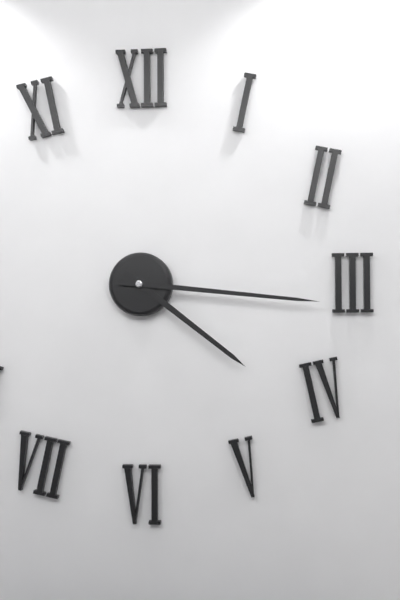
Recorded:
4 h 16 min
